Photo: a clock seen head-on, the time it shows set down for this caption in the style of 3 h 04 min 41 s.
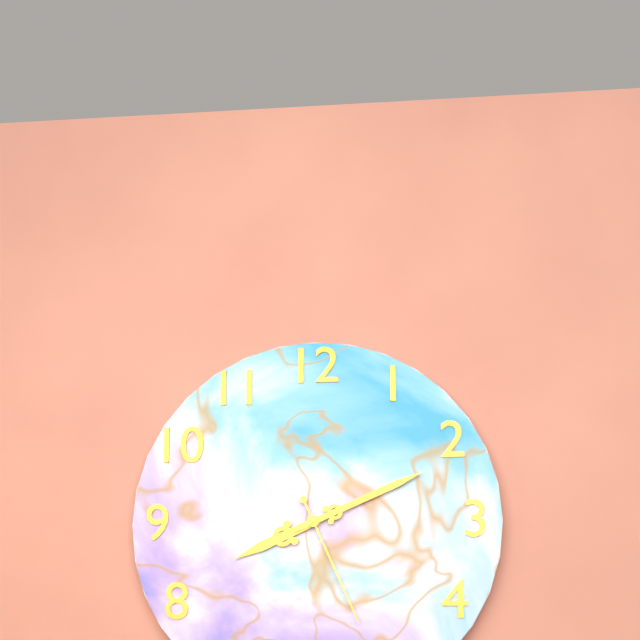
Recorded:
8 h 11 min 26 s
